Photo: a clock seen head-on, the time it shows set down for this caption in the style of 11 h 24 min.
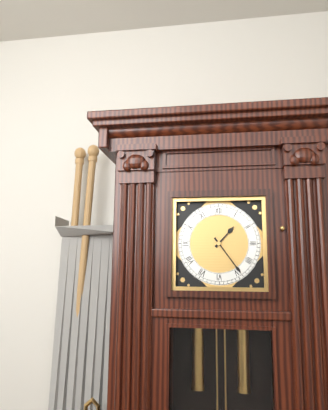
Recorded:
1 h 24 min
